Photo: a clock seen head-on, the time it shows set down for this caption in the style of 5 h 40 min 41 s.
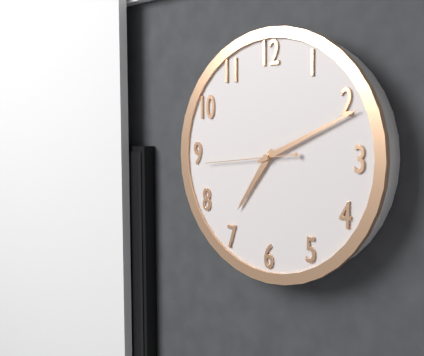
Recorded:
7 h 11 min 44 s
